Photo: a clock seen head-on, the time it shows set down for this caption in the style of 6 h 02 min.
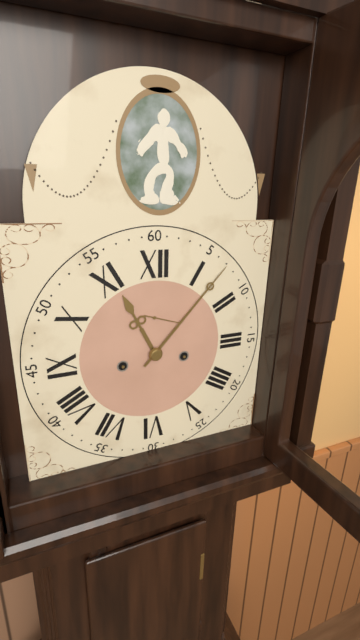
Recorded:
11 h 07 min
